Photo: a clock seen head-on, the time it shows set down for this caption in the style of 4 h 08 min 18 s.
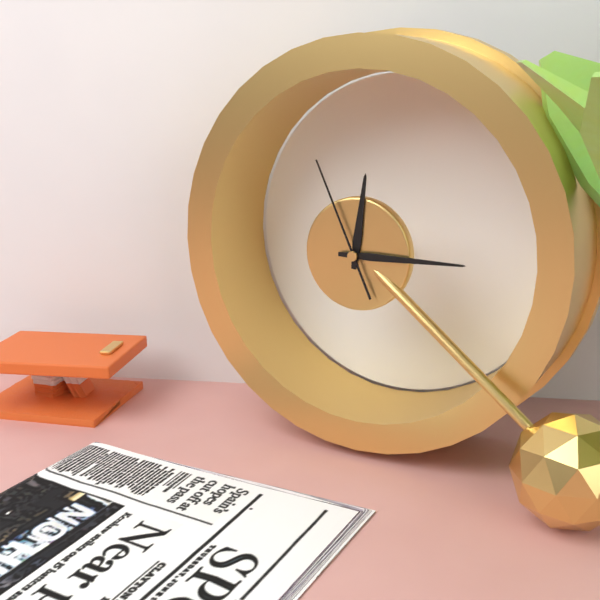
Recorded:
12 h 15 min 56 s
